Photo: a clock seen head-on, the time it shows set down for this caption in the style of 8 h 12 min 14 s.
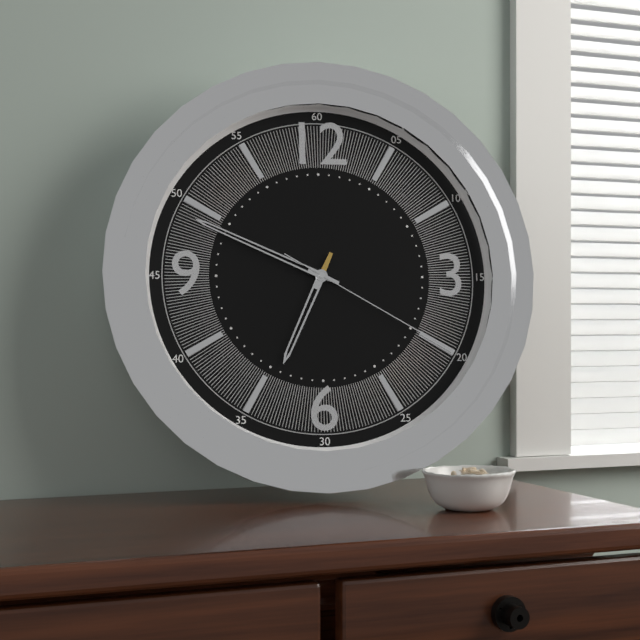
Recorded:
6 h 49 min 20 s
